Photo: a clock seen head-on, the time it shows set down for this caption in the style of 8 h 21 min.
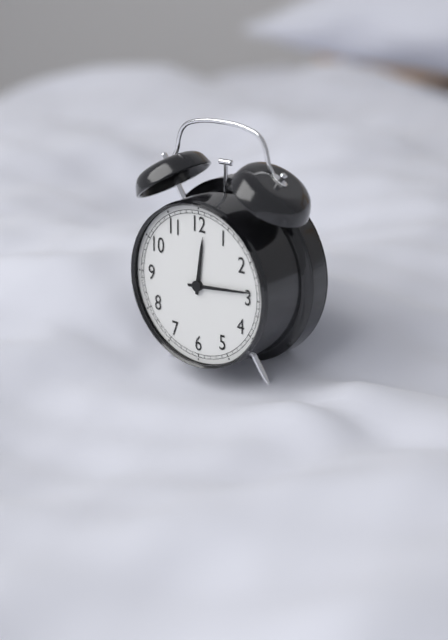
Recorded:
12 h 14 min
